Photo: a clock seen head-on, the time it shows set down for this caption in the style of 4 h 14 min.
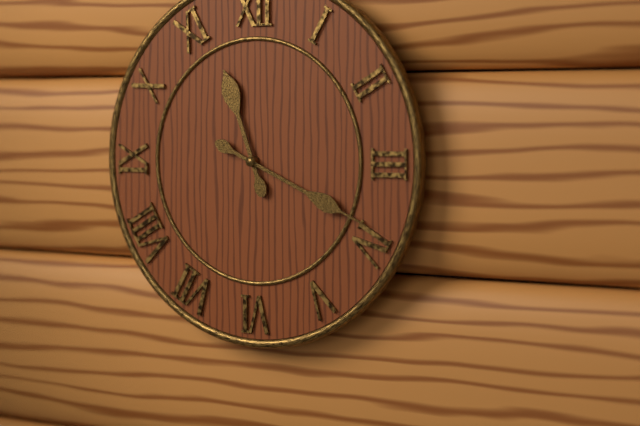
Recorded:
11 h 19 min
